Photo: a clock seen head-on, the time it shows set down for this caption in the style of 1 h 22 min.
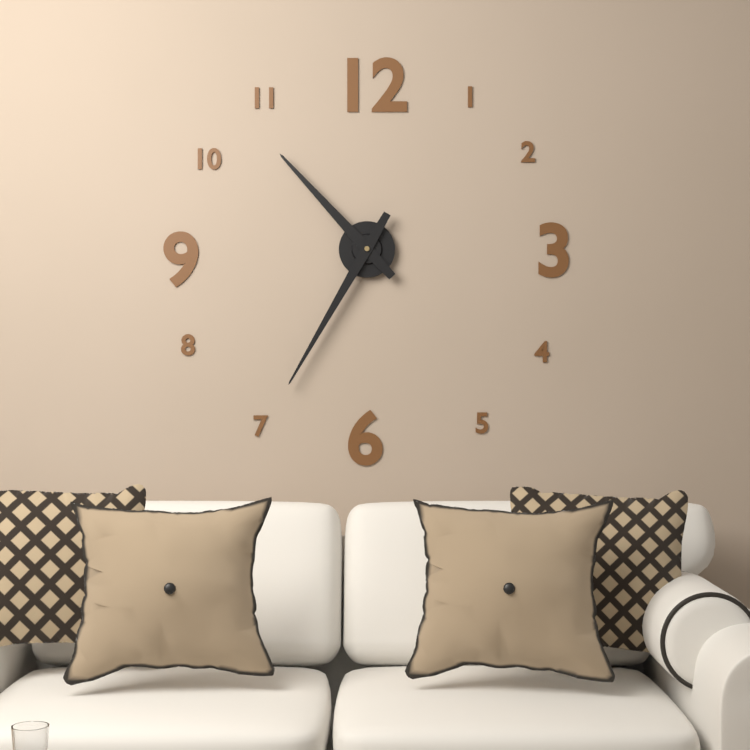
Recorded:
10 h 35 min
